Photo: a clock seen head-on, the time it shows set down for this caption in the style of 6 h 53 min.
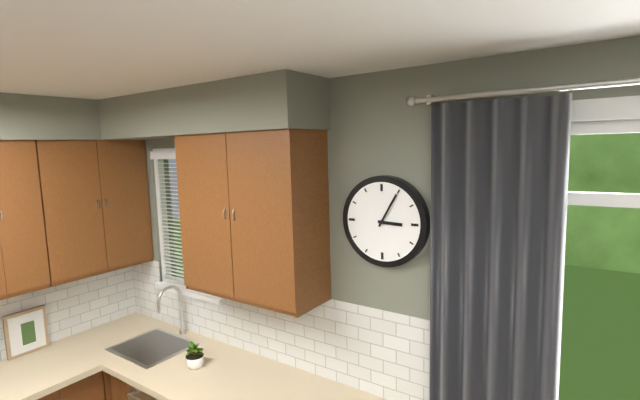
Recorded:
3 h 05 min
